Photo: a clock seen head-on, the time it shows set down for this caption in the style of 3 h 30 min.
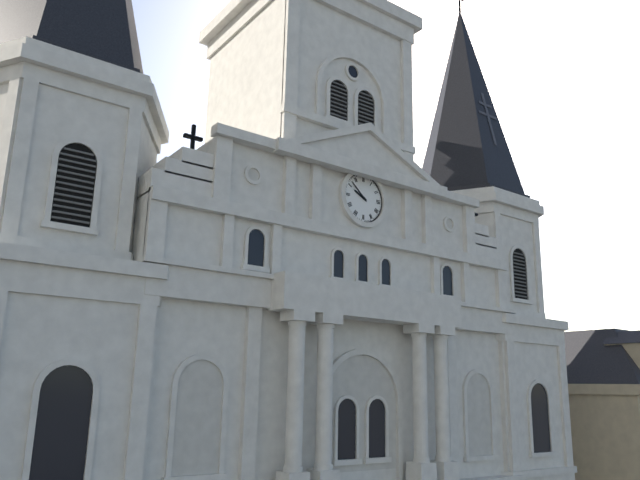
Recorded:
9 h 52 min
